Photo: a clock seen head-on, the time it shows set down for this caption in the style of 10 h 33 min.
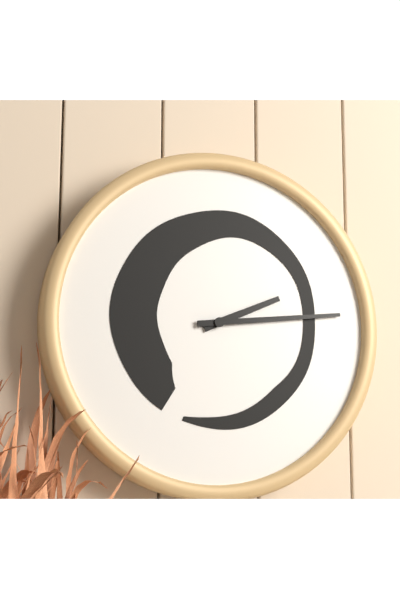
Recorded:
2 h 14 min
